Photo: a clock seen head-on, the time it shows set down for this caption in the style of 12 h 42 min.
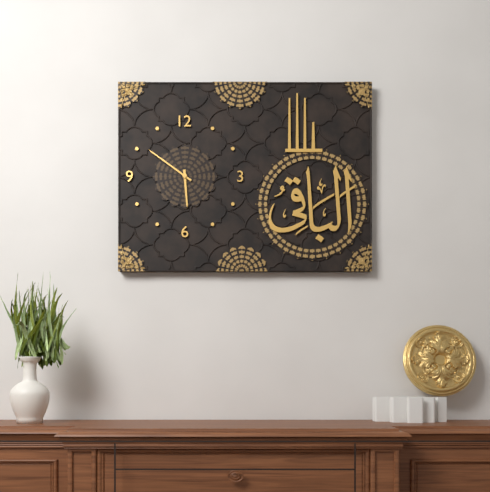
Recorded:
5 h 51 min
